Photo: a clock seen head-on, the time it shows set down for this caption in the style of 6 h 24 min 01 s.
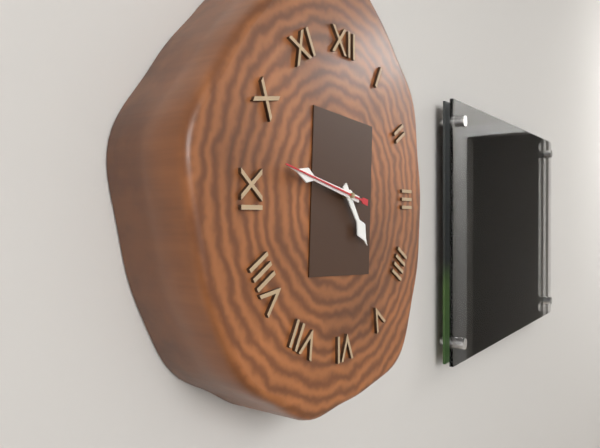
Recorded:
4 h 47 min 47 s
